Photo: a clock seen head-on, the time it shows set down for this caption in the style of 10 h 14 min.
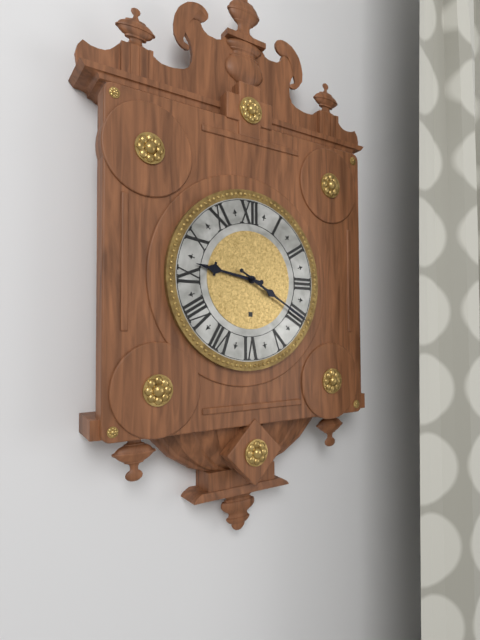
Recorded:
9 h 20 min
